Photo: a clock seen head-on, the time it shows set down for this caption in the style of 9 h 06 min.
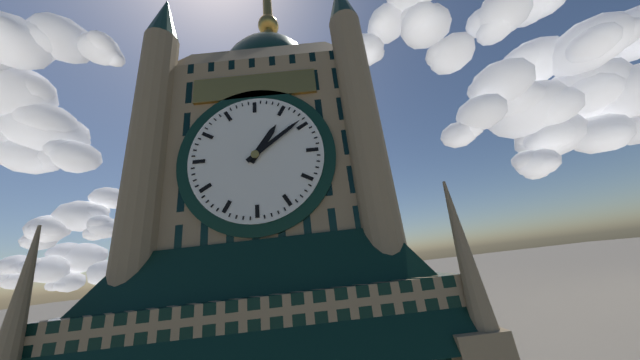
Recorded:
1 h 09 min
